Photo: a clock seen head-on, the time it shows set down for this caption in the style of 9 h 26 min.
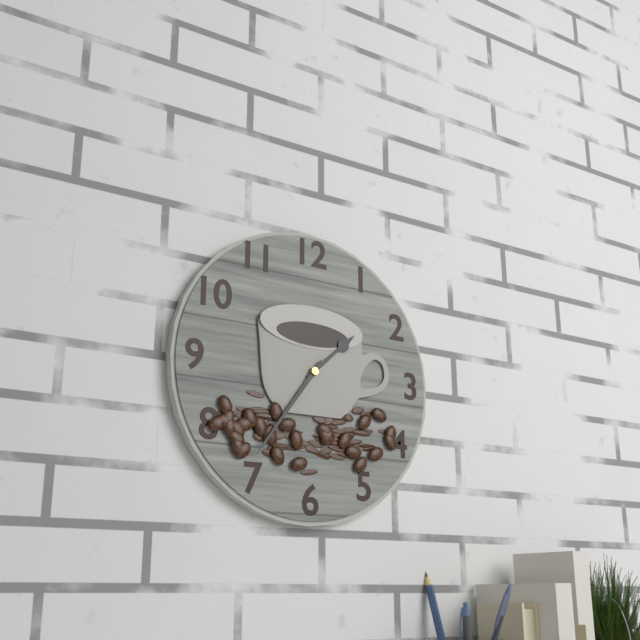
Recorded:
1 h 36 min
